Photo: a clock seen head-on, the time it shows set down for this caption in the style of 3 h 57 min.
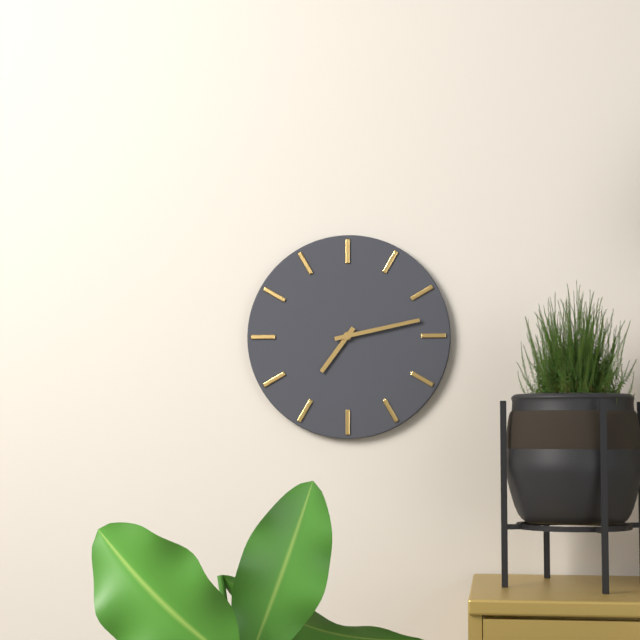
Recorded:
7 h 13 min
